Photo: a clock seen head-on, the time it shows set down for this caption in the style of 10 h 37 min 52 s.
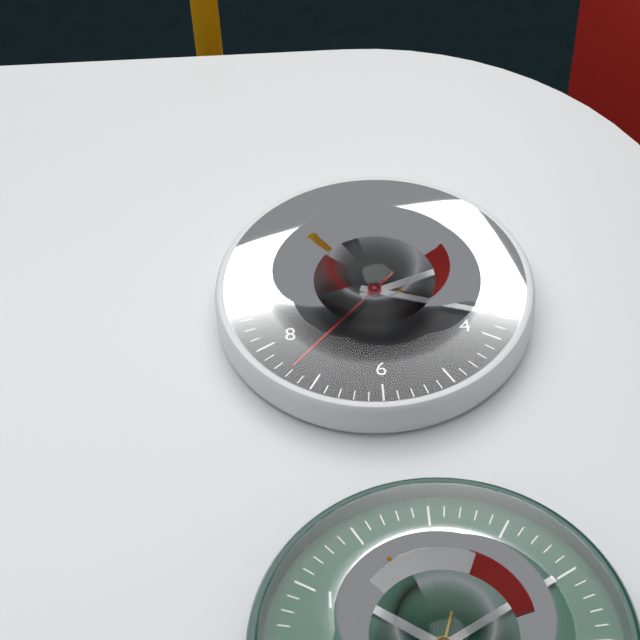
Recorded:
2 h 18 min 37 s
